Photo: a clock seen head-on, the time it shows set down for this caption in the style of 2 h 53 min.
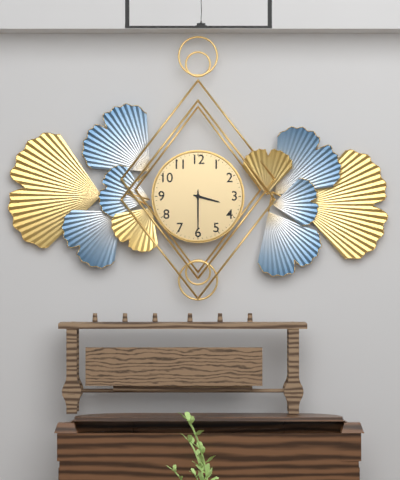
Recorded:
3 h 30 min
